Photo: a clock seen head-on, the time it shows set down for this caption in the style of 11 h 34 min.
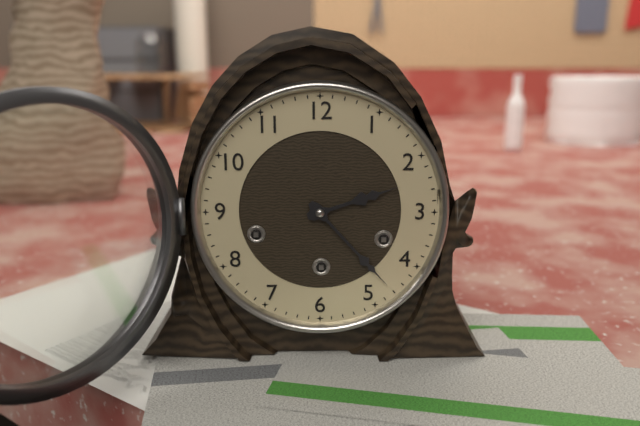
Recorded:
2 h 23 min
